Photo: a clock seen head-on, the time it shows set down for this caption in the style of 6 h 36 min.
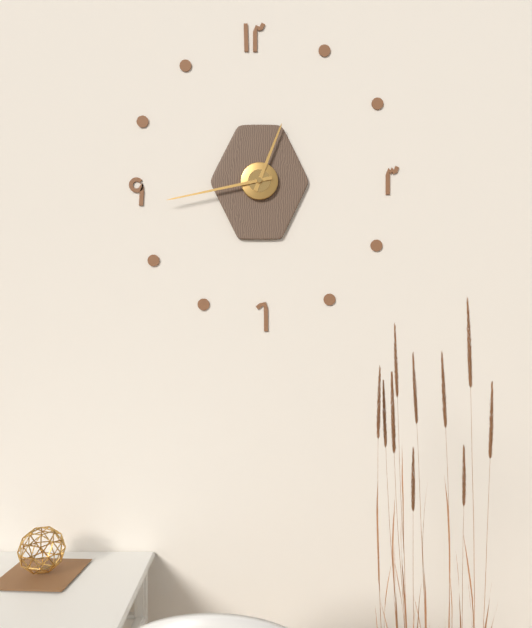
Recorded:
12 h 43 min
